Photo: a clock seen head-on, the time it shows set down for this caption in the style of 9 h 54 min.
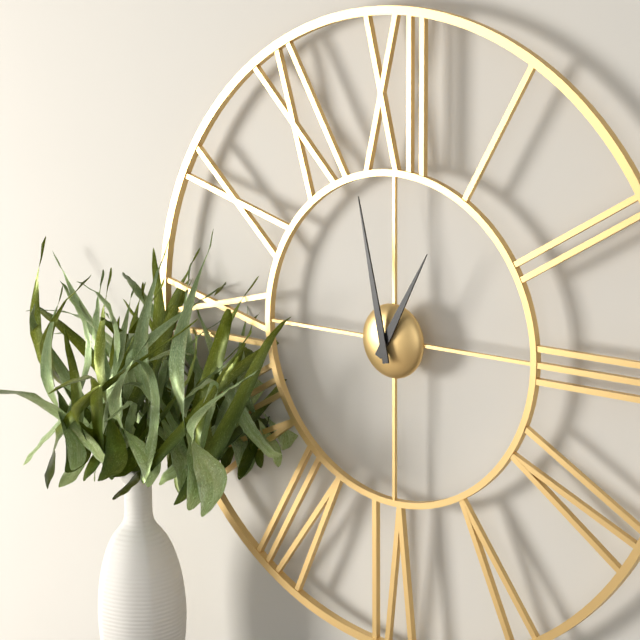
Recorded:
12 h 58 min
